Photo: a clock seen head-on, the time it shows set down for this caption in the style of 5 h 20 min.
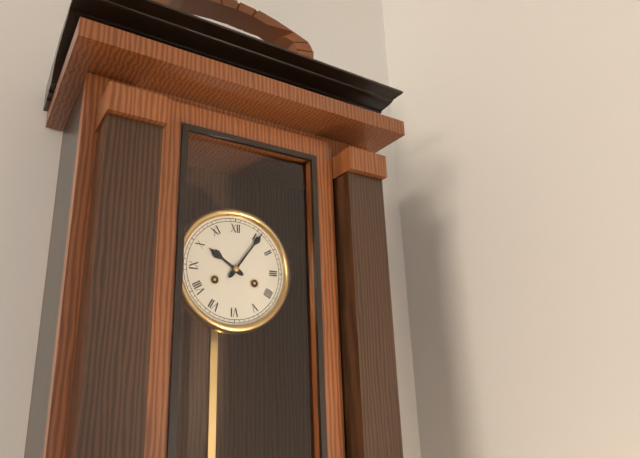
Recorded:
10 h 06 min
